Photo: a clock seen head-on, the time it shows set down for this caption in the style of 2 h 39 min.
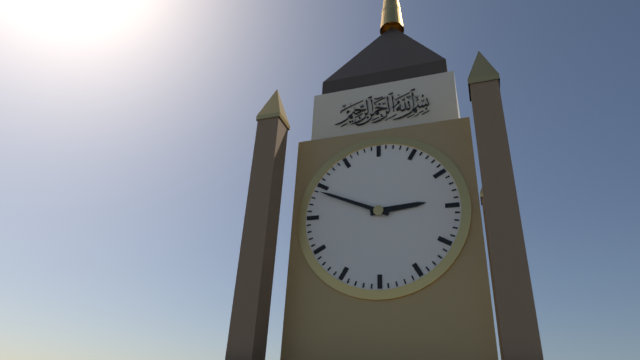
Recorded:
2 h 49 min
